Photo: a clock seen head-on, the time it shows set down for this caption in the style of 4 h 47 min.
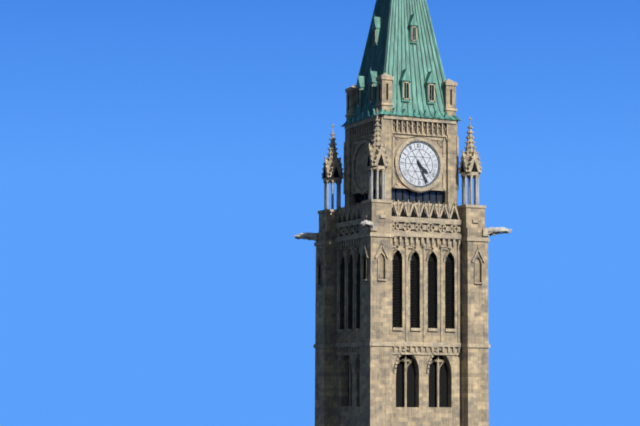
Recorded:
4 h 26 min
